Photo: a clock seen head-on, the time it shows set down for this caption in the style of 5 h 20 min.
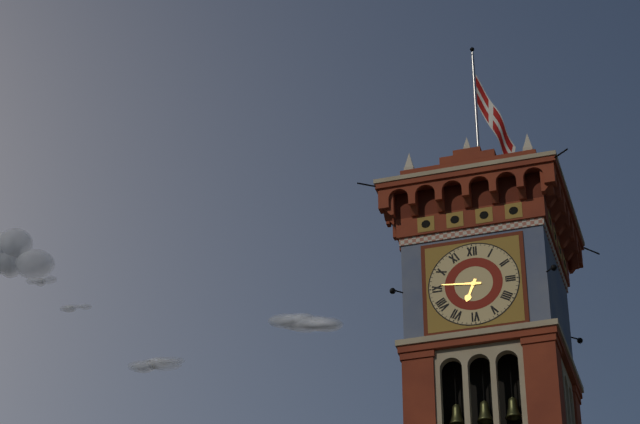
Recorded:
6 h 46 min
